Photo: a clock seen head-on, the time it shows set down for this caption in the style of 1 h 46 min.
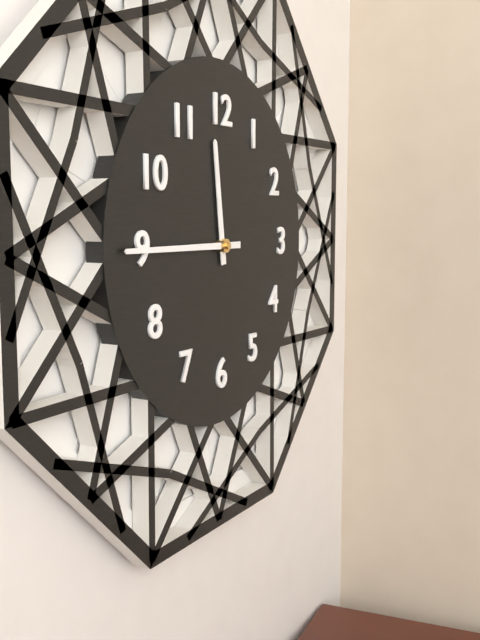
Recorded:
11 h 45 min
